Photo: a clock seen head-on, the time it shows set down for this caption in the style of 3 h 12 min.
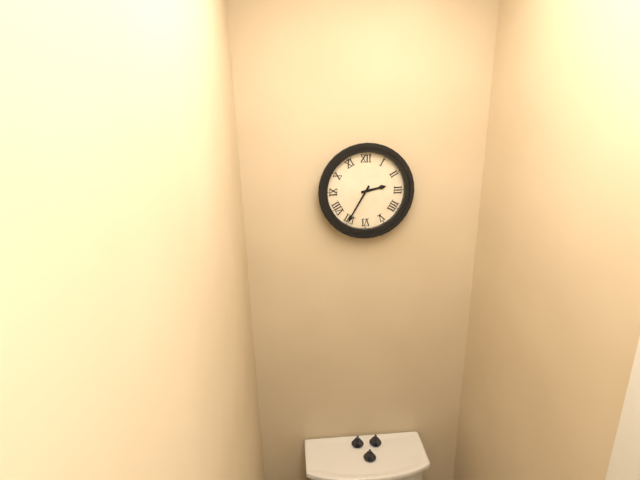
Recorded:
2 h 35 min
